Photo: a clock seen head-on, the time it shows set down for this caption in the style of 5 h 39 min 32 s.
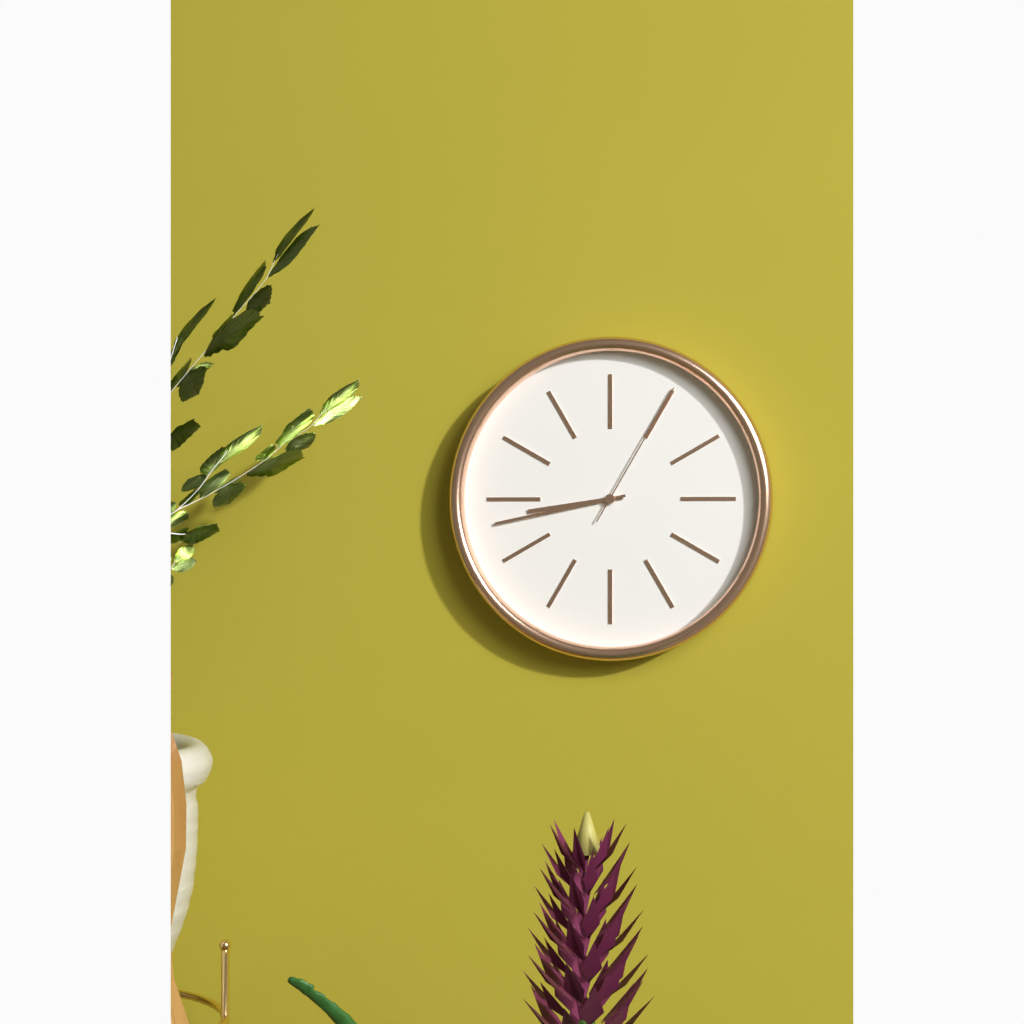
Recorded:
8 h 43 min 05 s
